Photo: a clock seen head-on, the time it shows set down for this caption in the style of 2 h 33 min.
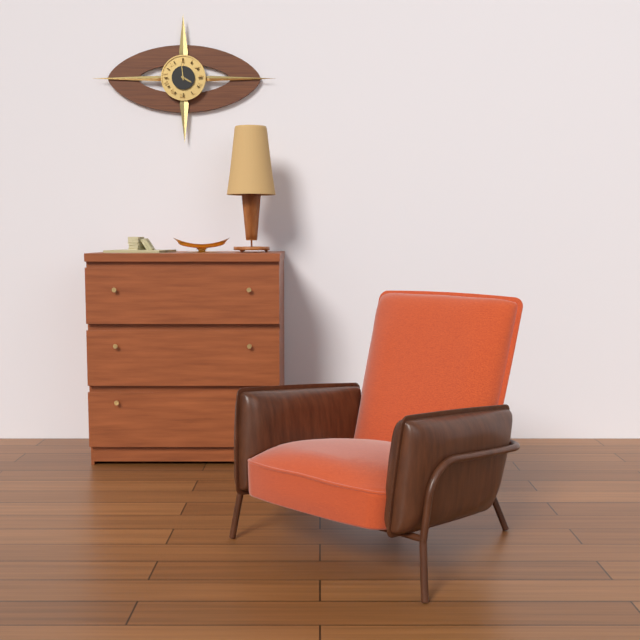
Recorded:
3 h 59 min
